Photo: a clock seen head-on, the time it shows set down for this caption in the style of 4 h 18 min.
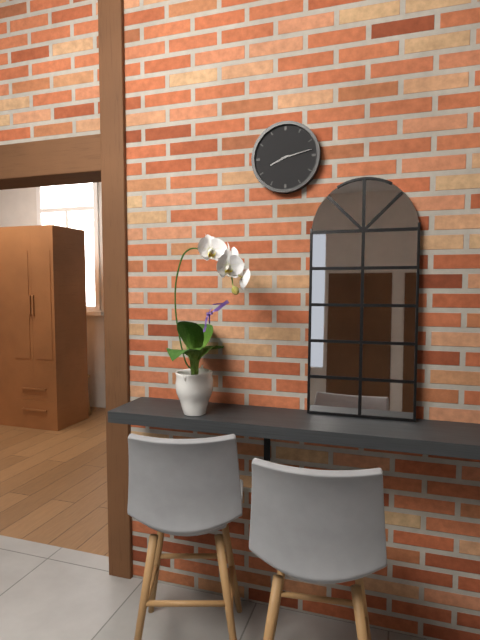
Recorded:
8 h 13 min
